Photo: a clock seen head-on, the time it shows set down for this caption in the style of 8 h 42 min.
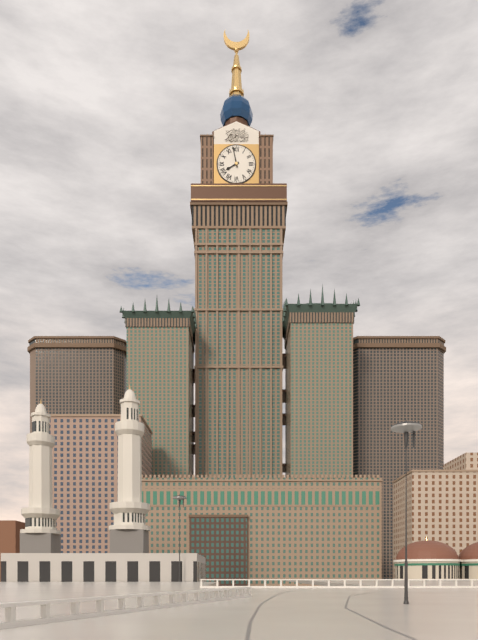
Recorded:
7 h 58 min
